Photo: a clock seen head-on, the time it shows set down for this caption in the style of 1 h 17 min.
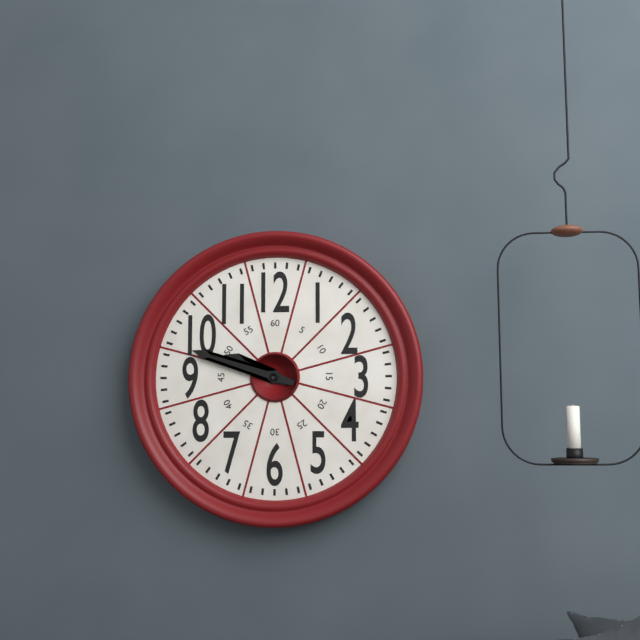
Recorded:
9 h 48 min
